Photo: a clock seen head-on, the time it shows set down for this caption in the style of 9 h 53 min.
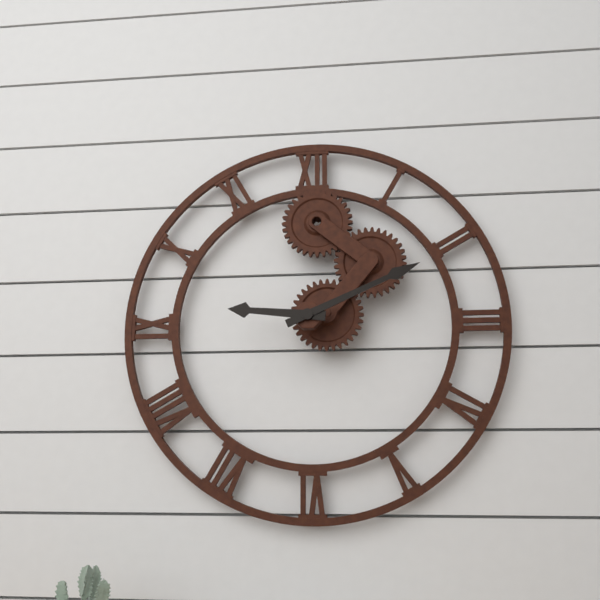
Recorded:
9 h 11 min
